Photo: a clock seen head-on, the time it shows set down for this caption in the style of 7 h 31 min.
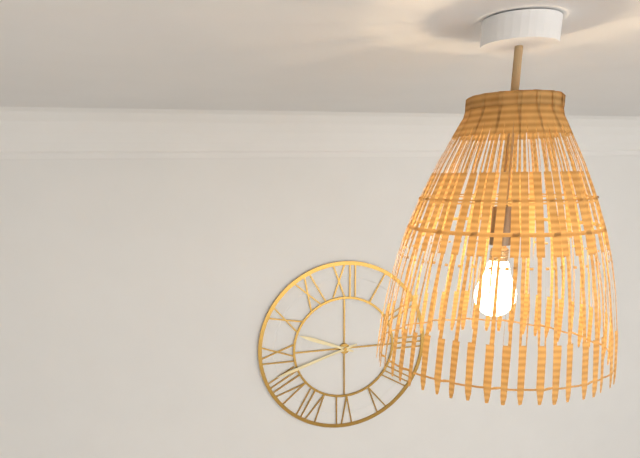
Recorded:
9 h 42 min
